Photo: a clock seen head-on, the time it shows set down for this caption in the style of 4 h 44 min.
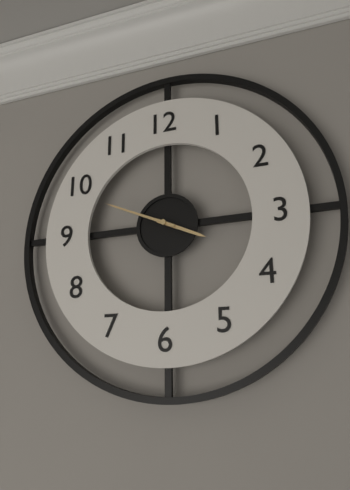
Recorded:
3 h 49 min
